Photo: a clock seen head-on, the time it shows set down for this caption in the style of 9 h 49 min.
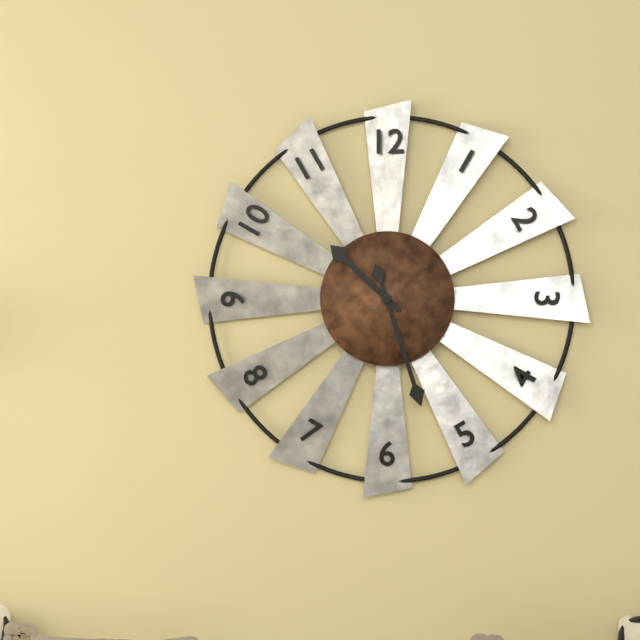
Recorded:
10 h 27 min
